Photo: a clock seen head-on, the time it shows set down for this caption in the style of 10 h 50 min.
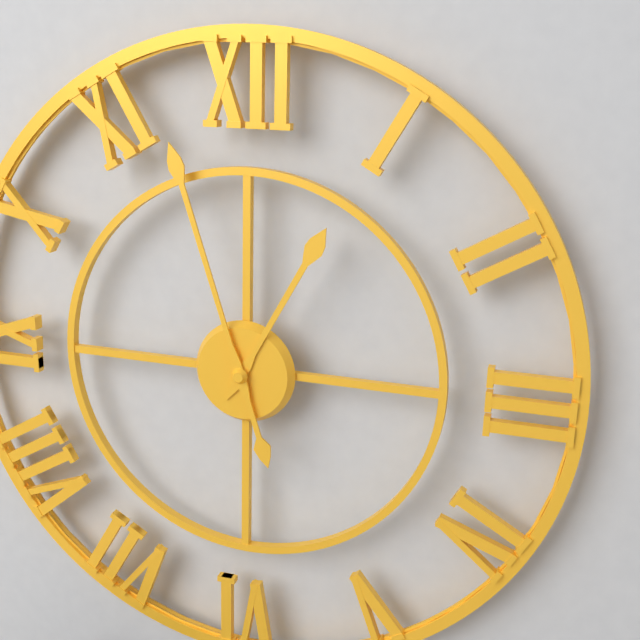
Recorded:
12 h 57 min
